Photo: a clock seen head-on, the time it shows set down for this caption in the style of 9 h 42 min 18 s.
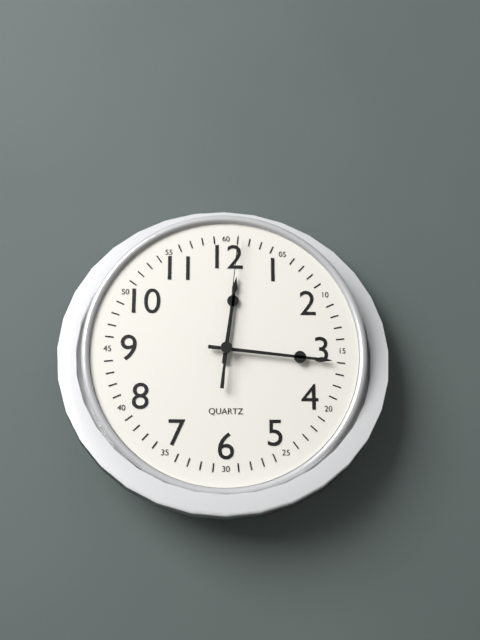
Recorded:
12 h 16 min 01 s
